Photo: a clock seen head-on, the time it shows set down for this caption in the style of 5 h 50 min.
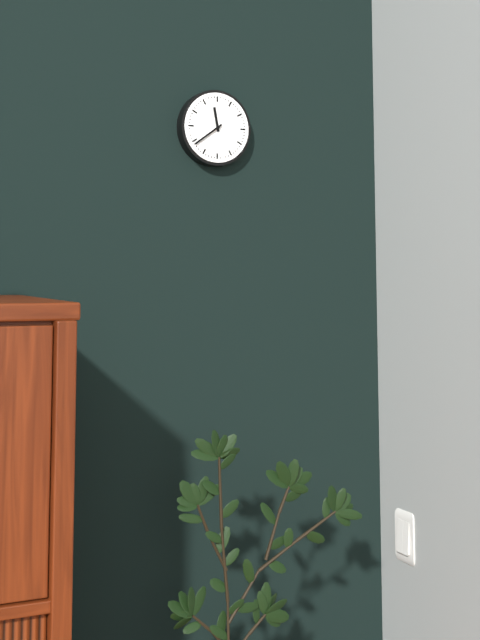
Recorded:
11 h 39 min
